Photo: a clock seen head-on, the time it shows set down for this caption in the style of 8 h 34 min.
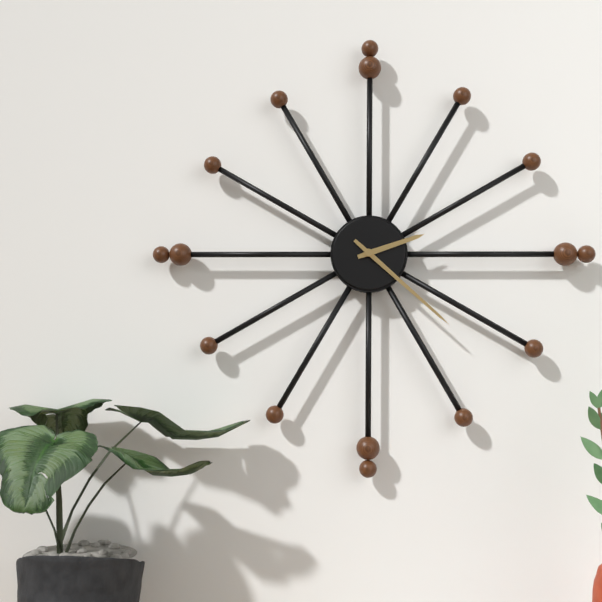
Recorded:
2 h 22 min
